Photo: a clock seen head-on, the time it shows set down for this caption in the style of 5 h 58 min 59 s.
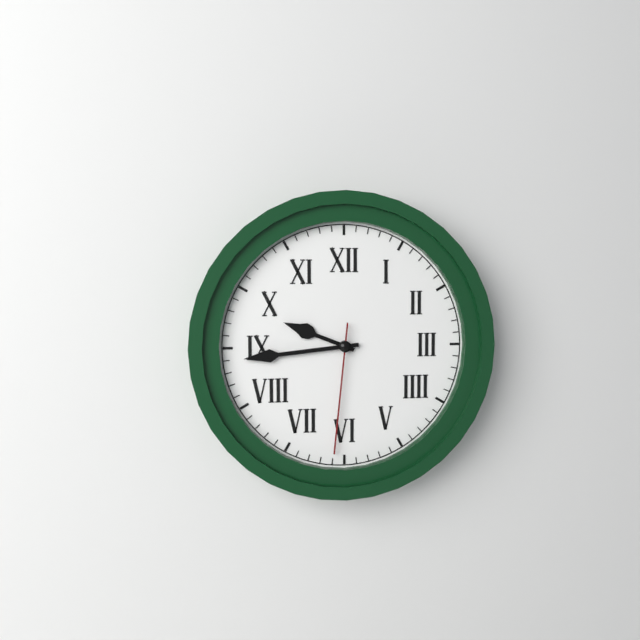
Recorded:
9 h 44 min 31 s
